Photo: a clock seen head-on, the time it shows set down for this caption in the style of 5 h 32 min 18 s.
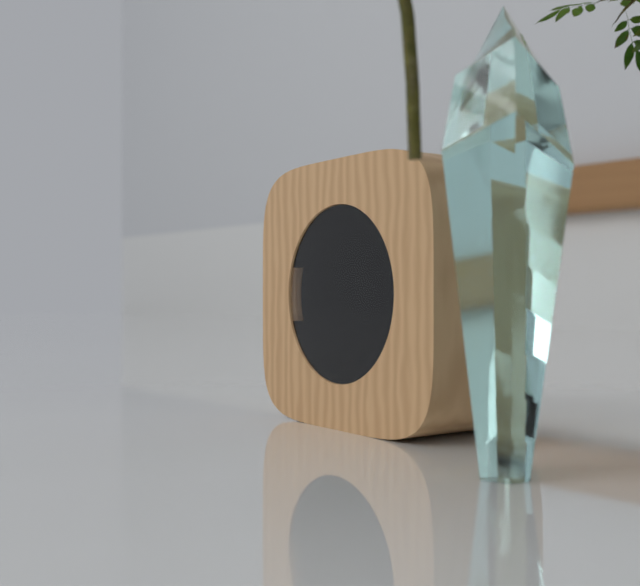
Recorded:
2 h 09 min 13 s
